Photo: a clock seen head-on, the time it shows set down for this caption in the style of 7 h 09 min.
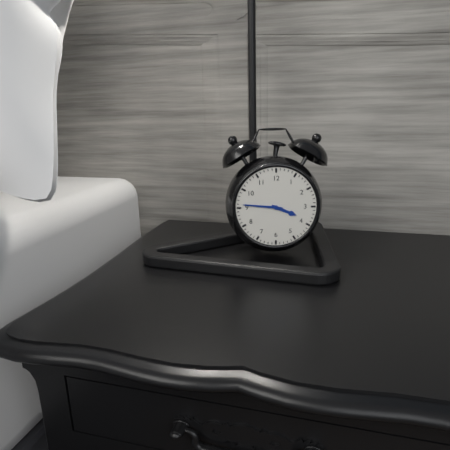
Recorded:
3 h 46 min
